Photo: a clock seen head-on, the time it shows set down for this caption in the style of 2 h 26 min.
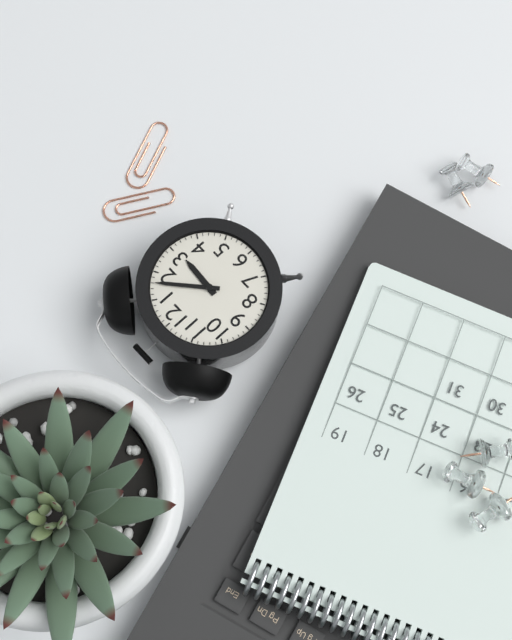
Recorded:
3 h 08 min
